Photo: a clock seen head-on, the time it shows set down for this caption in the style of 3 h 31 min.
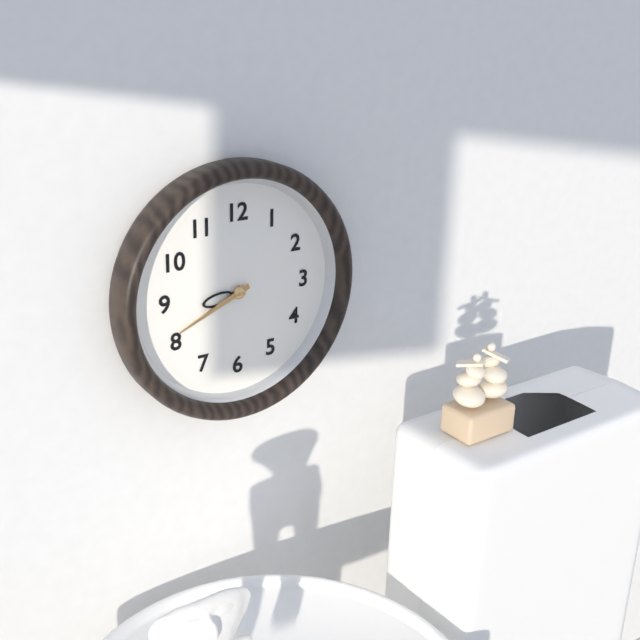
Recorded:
8 h 41 min
